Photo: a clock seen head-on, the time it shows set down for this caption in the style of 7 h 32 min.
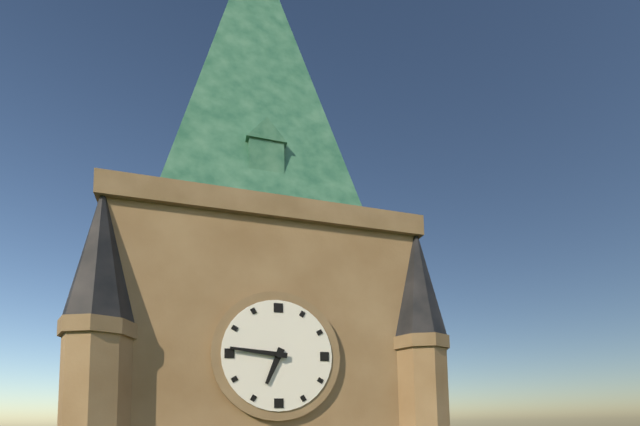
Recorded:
6 h 46 min
